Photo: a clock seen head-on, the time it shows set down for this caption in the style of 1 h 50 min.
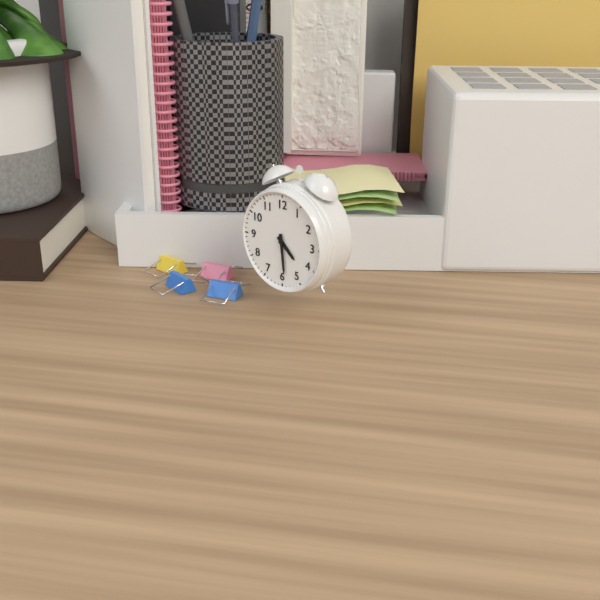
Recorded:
4 h 29 min
